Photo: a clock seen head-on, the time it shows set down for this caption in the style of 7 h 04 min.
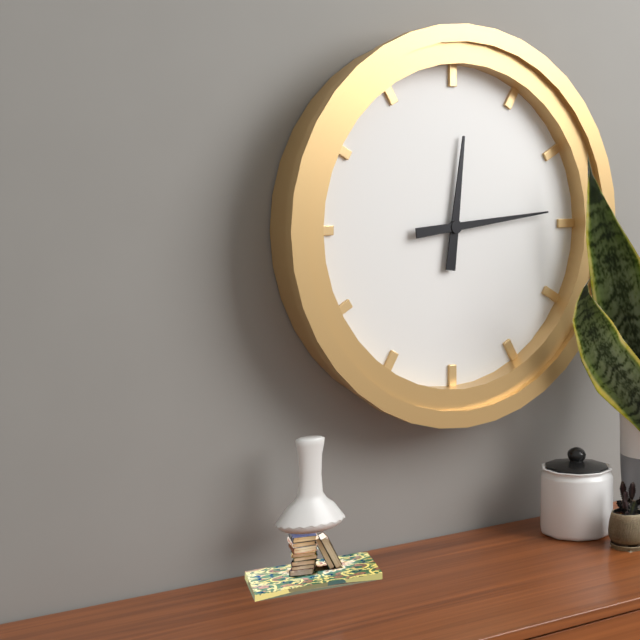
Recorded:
12 h 14 min
